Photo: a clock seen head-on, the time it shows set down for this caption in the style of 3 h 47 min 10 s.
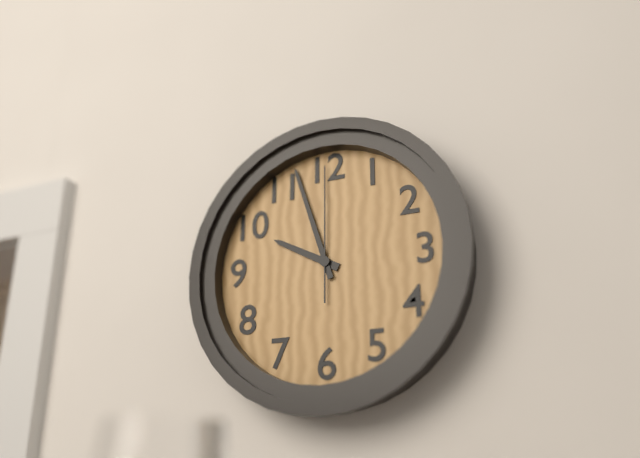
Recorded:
9 h 57 min 00 s
